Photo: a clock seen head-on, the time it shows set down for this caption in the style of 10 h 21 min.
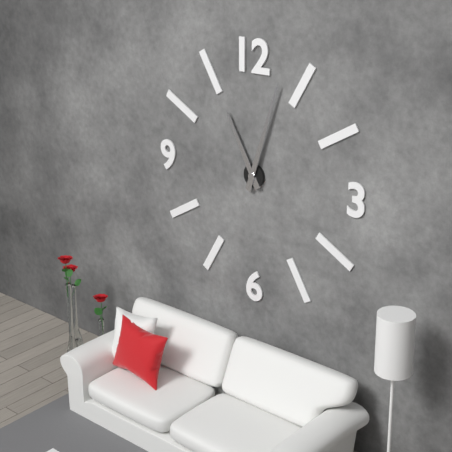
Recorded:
11 h 03 min
